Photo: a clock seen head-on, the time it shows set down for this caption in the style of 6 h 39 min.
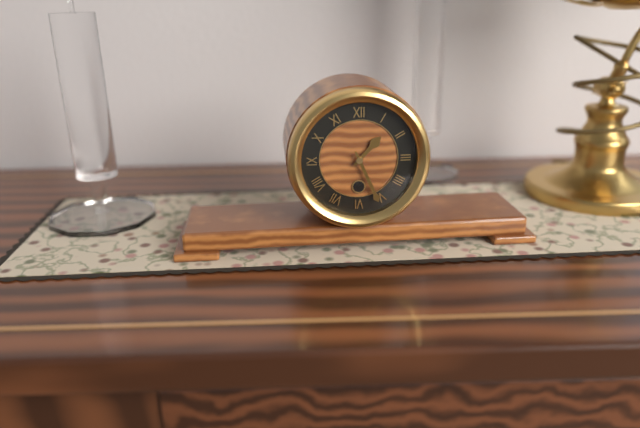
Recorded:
1 h 26 min
